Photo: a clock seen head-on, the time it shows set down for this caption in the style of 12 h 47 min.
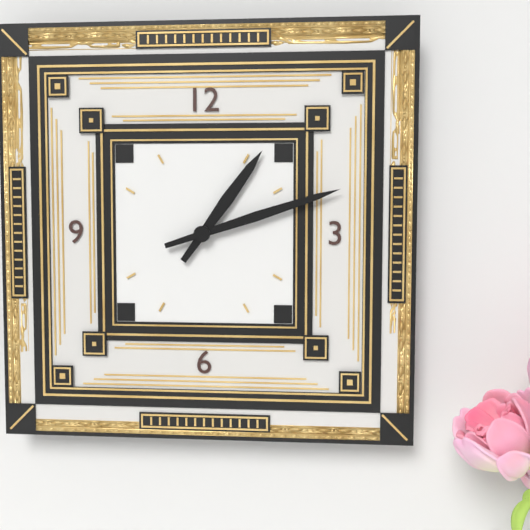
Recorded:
1 h 12 min
